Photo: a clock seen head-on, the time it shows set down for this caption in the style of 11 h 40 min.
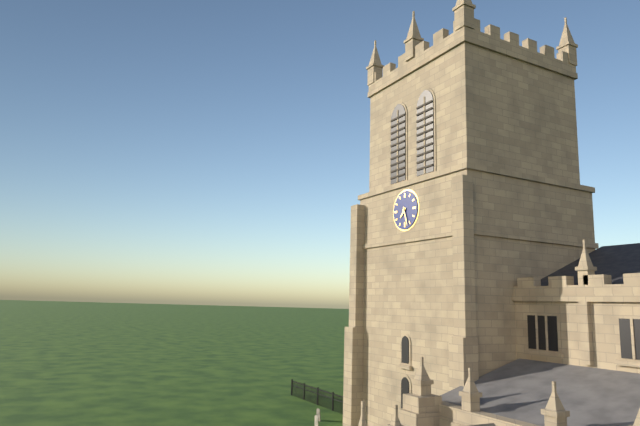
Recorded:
7 h 27 min
